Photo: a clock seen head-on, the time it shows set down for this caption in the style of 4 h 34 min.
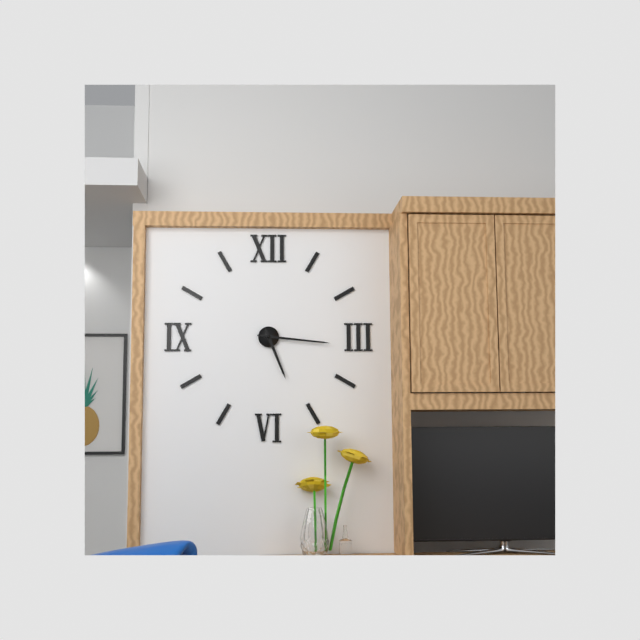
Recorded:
5 h 16 min
